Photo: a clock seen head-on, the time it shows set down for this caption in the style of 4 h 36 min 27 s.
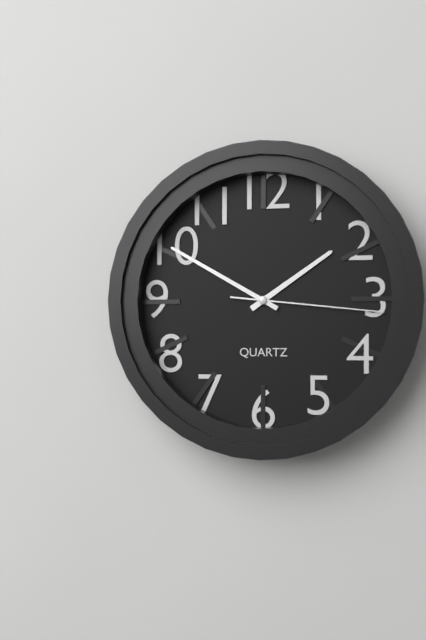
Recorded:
1 h 50 min 16 s
